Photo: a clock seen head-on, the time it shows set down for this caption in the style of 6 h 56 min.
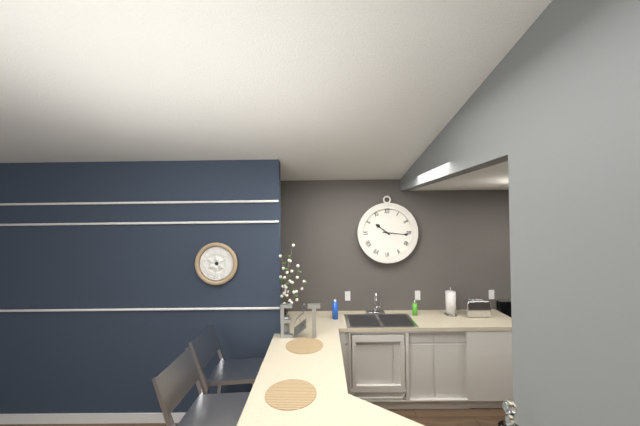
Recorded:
10 h 16 min
